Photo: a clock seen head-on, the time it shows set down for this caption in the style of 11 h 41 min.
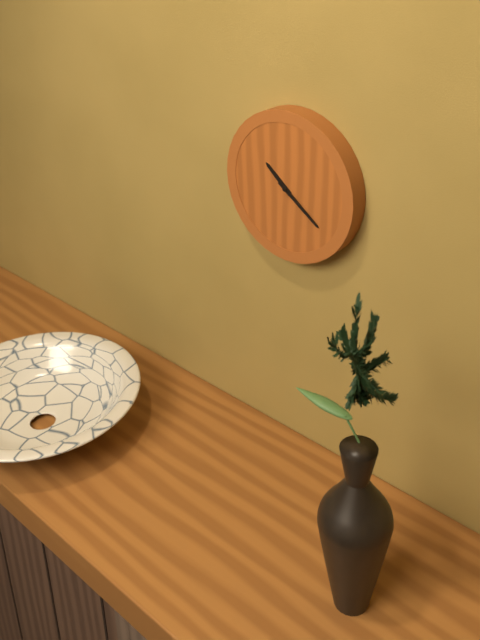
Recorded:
10 h 21 min
